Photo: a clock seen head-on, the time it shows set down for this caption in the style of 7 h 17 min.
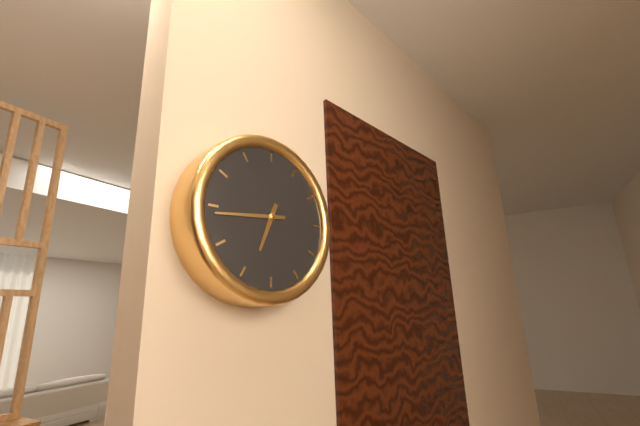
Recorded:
6 h 44 min
